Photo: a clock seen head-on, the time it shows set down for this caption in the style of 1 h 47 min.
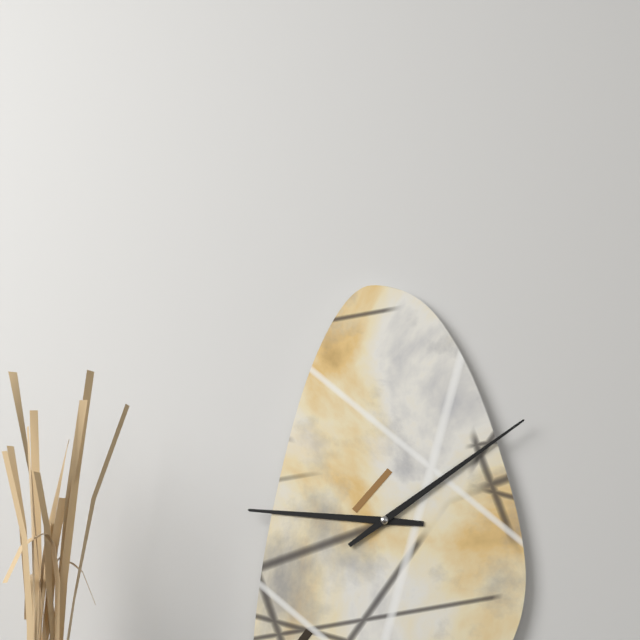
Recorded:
9 h 09 min
